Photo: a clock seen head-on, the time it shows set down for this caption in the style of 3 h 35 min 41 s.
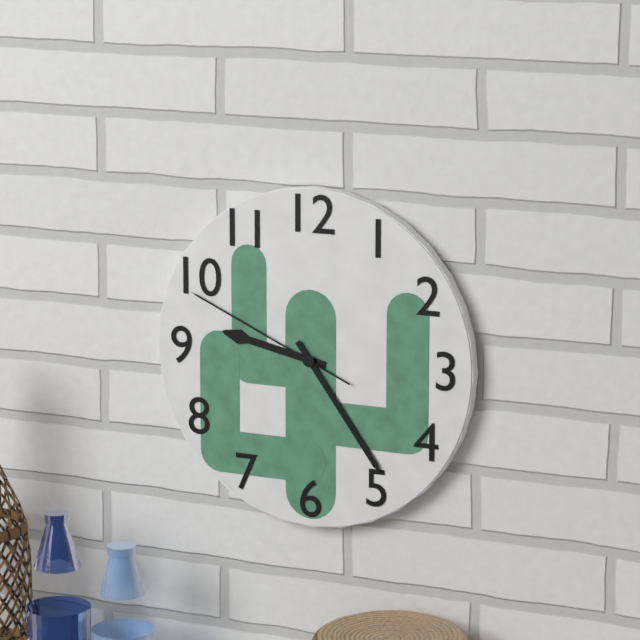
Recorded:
9 h 24 min 49 s
